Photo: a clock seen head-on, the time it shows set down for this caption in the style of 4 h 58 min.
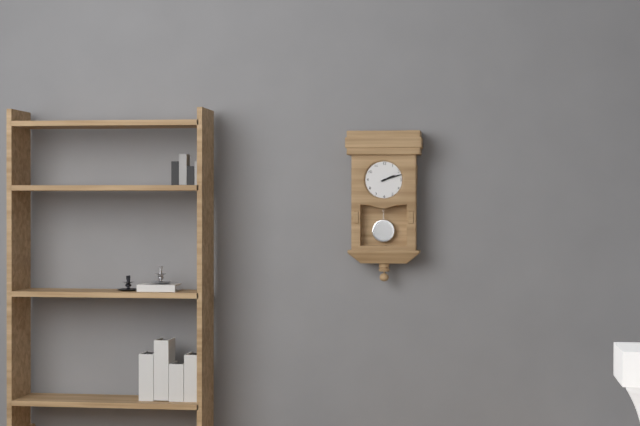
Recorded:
2 h 12 min
